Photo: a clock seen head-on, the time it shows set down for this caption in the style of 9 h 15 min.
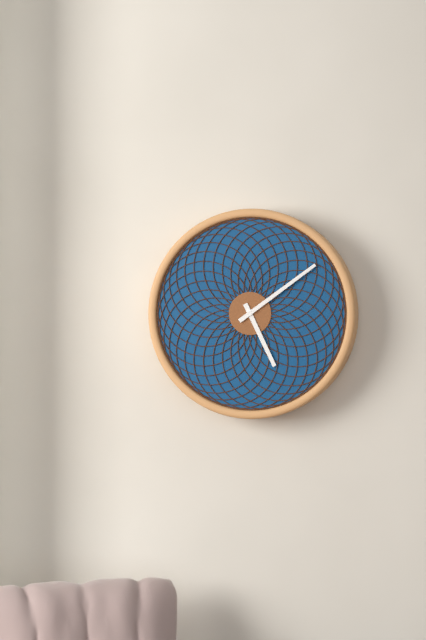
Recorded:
5 h 09 min
